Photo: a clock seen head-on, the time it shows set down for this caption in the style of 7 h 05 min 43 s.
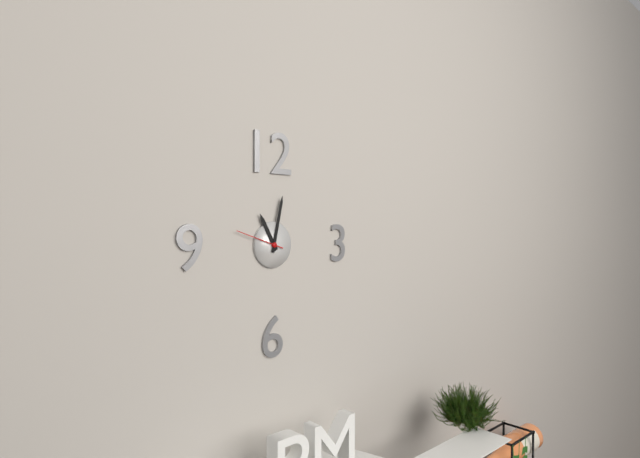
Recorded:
11 h 02 min 48 s
